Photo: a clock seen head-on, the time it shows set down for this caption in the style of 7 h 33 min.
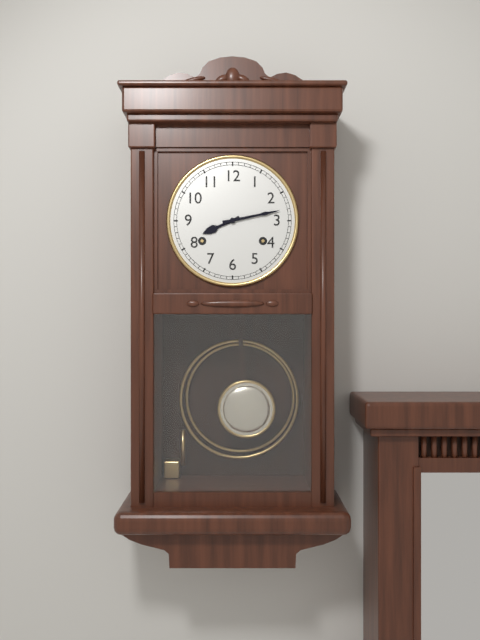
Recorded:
8 h 13 min
